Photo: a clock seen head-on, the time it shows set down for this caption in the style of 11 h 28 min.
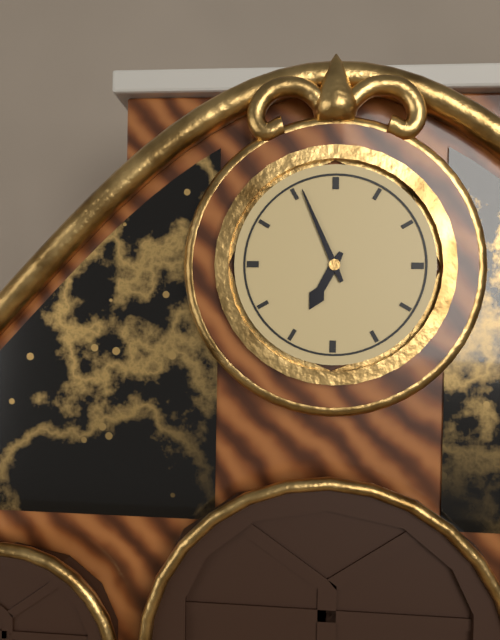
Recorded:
6 h 56 min
